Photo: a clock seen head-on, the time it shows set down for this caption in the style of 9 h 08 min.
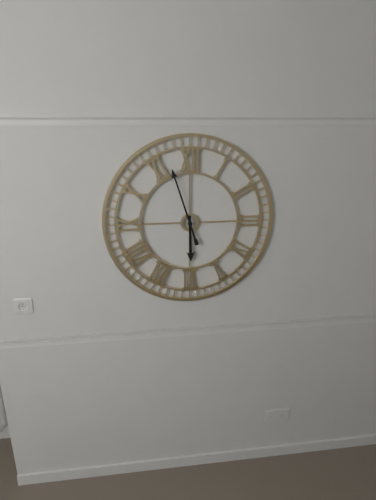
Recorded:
5 h 57 min
